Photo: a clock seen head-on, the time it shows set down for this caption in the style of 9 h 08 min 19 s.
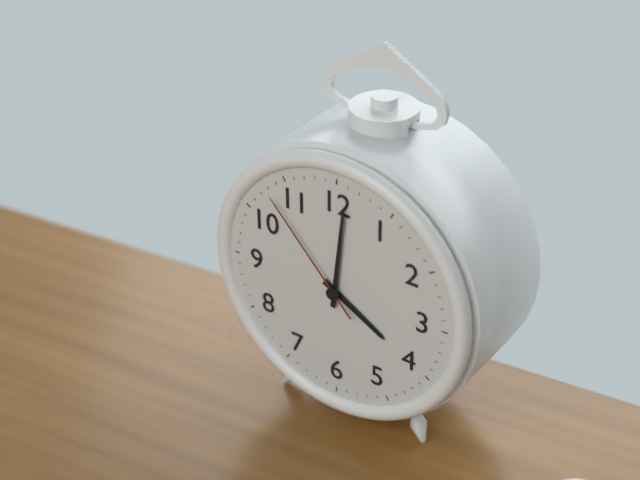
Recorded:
4 h 01 min 53 s
